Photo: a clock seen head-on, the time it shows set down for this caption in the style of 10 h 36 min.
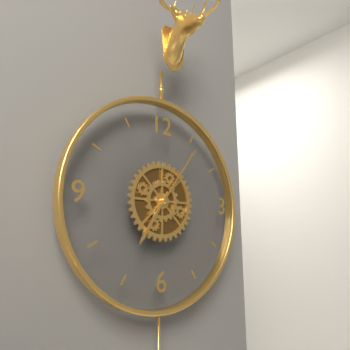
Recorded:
7 h 06 min
